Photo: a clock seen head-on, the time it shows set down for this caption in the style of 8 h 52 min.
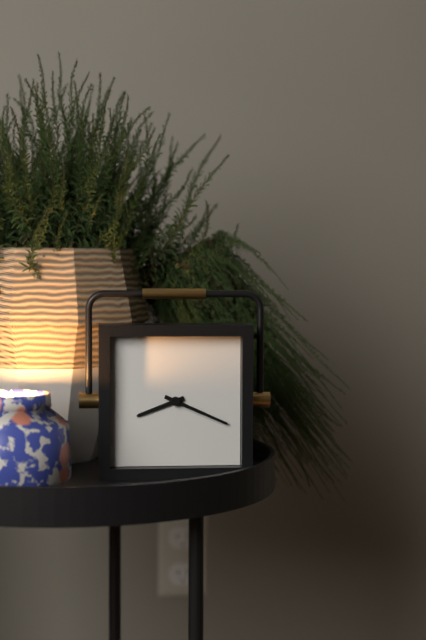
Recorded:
8 h 19 min
